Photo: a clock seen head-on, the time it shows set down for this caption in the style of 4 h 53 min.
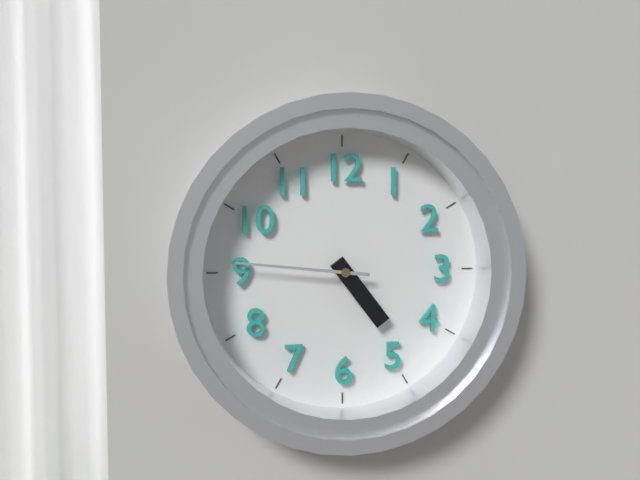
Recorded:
4 h 46 min
